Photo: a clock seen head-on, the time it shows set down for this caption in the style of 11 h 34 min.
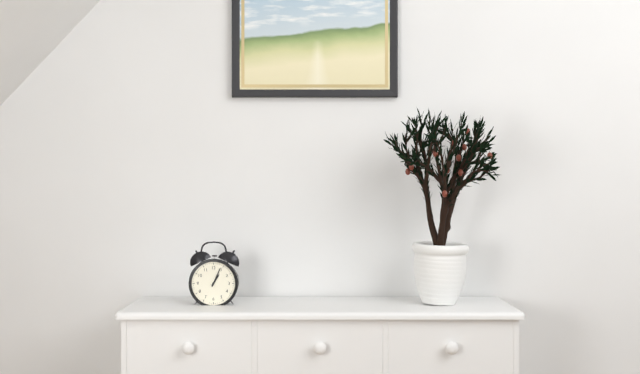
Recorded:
1 h 04 min
